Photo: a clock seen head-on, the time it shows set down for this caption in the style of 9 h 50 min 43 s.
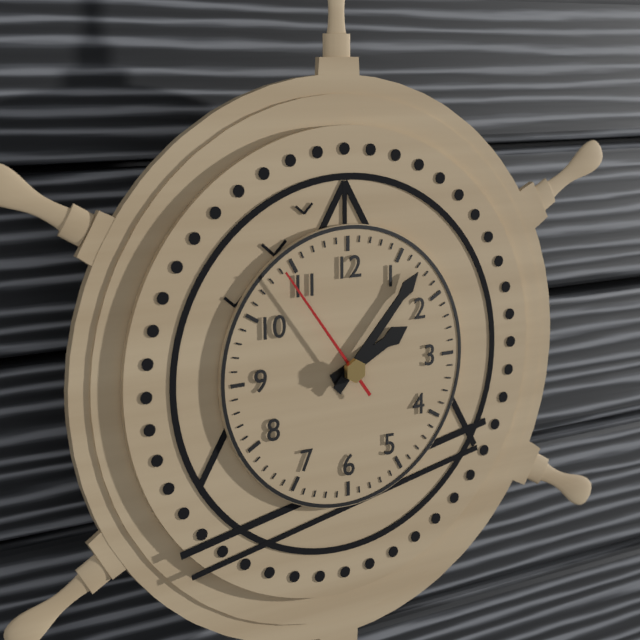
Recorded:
2 h 07 min 54 s
